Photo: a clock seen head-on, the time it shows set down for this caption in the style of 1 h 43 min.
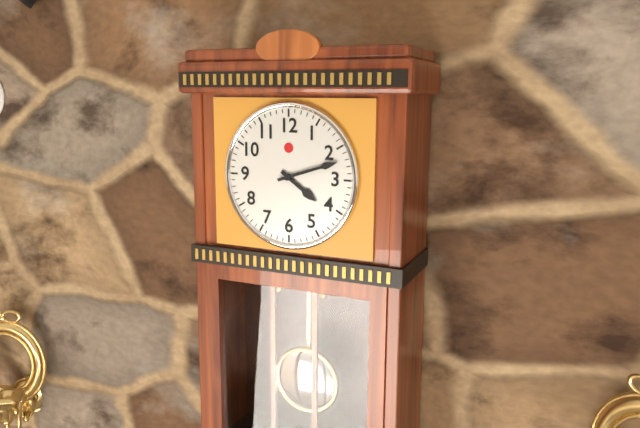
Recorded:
4 h 12 min
